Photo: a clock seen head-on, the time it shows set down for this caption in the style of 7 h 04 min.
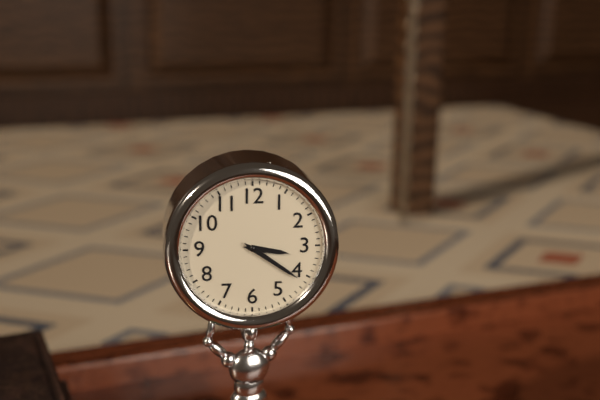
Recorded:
3 h 21 min
